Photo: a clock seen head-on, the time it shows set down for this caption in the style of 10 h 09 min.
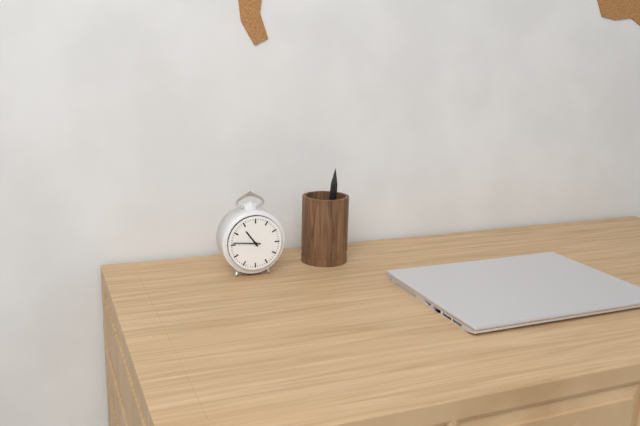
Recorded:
10 h 46 min
